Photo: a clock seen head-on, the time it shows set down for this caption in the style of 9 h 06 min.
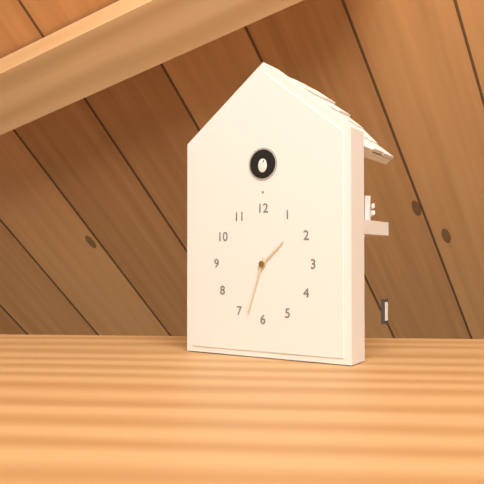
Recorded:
1 h 33 min
